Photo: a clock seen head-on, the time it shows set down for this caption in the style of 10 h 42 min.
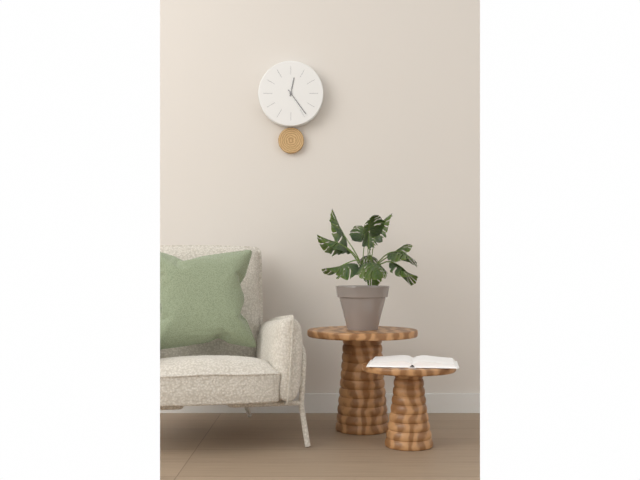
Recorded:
12 h 24 min
